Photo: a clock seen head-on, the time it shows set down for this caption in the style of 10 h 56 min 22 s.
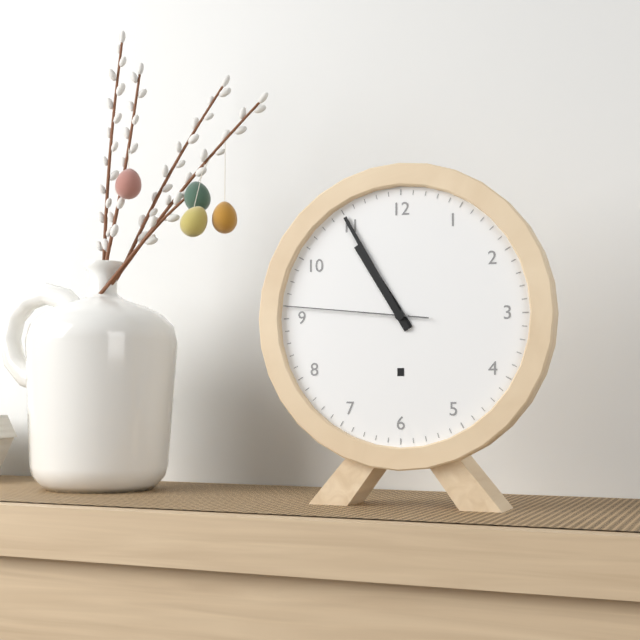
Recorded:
10 h 55 min 46 s
